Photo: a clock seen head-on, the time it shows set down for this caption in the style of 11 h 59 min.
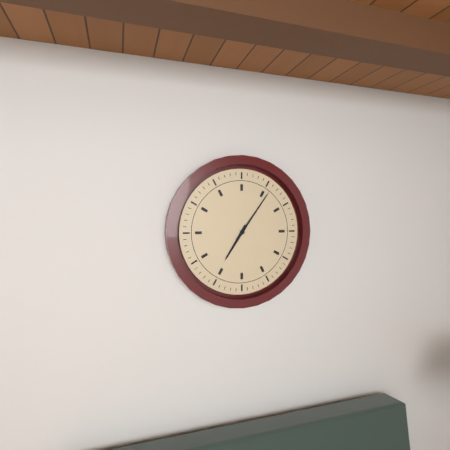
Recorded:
7 h 06 min
